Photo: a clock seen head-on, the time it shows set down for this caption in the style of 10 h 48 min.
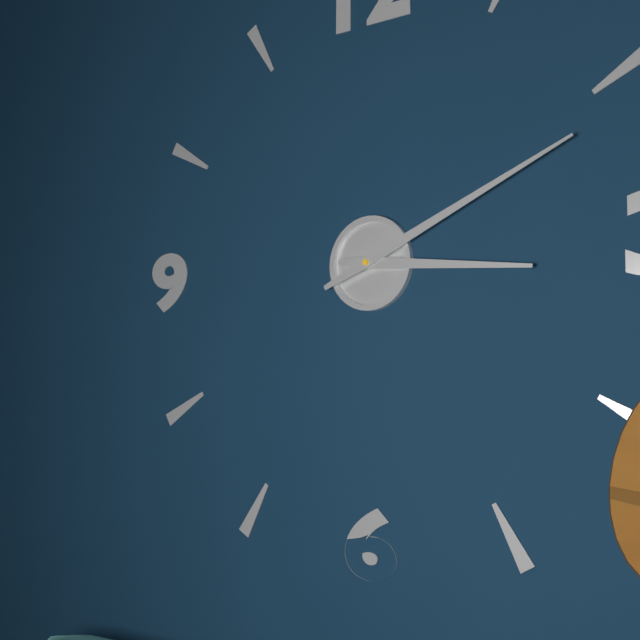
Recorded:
3 h 11 min
